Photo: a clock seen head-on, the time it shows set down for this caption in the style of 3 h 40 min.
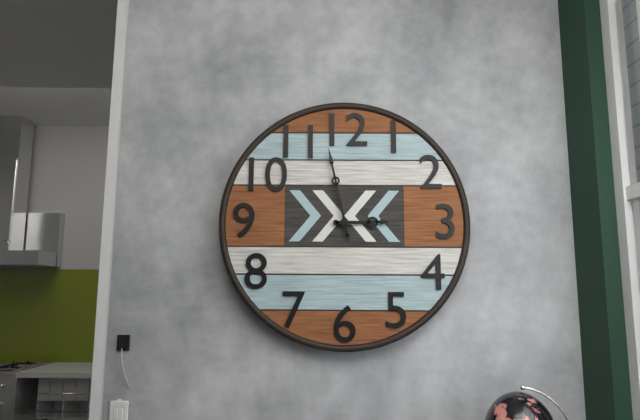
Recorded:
2 h 58 min
